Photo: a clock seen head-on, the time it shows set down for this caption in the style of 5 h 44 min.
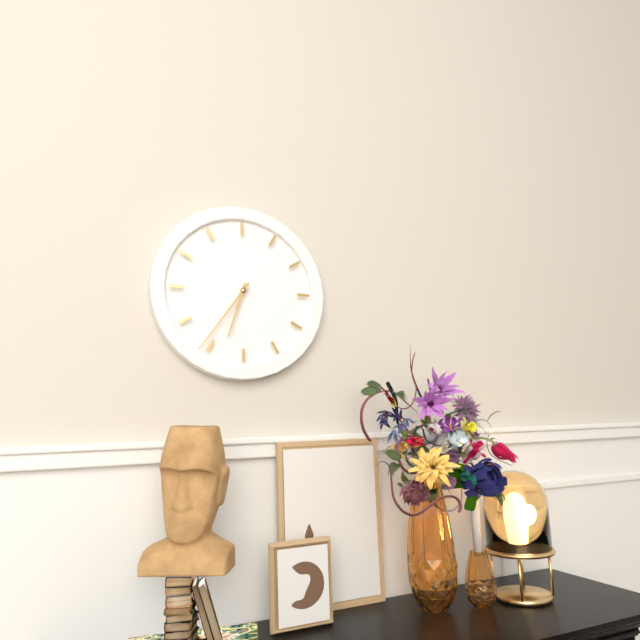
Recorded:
6 h 36 min
